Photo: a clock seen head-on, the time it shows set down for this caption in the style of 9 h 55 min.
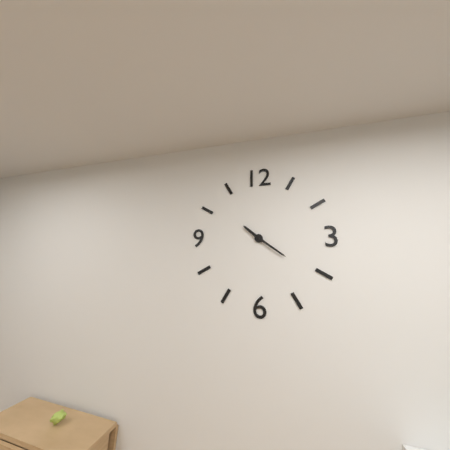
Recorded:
10 h 21 min
